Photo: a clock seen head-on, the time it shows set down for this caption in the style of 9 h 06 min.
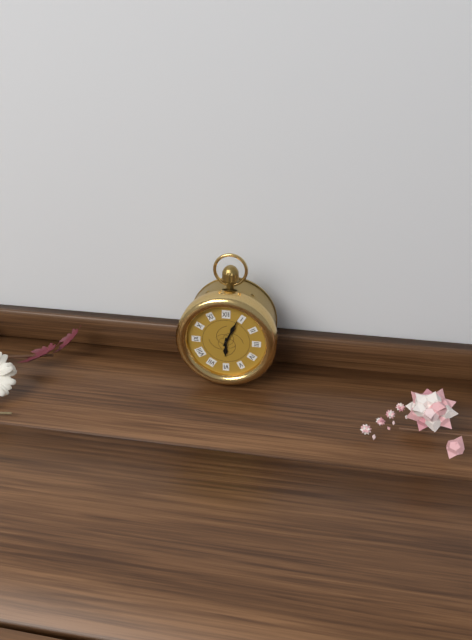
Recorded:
6 h 04 min
